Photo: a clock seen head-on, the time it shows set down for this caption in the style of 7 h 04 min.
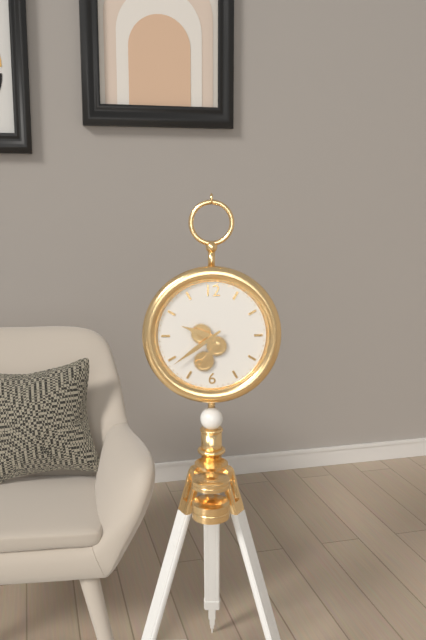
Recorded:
9 h 39 min
